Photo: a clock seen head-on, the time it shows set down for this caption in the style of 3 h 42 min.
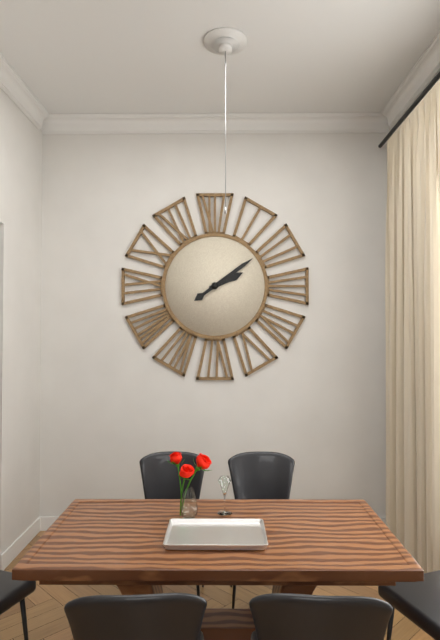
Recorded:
2 h 09 min
